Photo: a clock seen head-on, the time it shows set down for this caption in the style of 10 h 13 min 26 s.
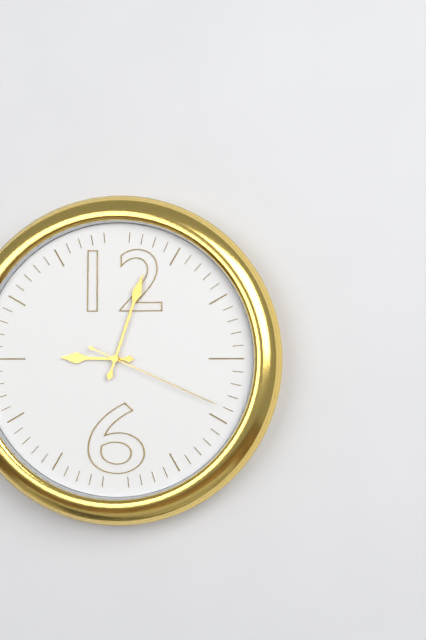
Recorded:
9 h 03 min 19 s
